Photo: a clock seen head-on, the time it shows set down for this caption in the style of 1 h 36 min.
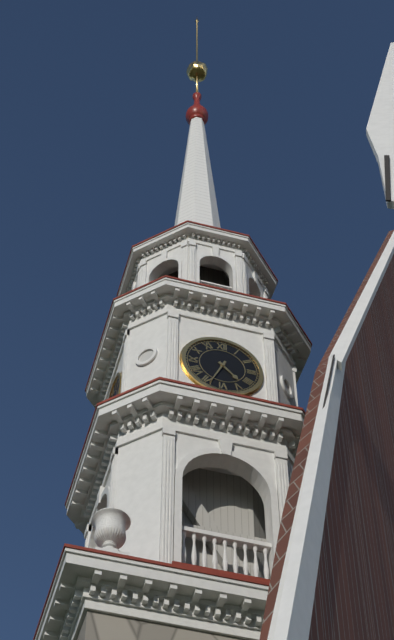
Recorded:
4 h 34 min
